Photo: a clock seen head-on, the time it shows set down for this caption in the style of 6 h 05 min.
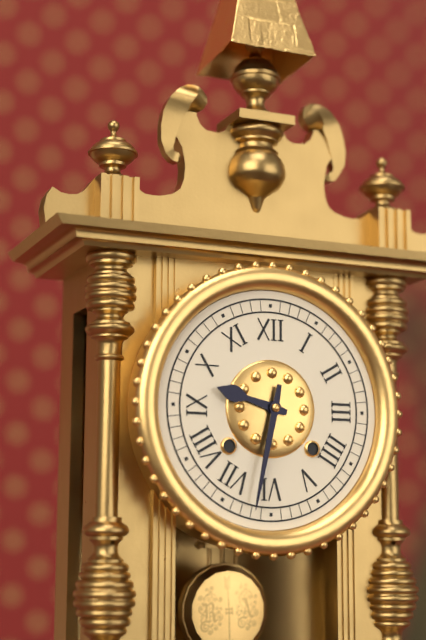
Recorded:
9 h 32 min
